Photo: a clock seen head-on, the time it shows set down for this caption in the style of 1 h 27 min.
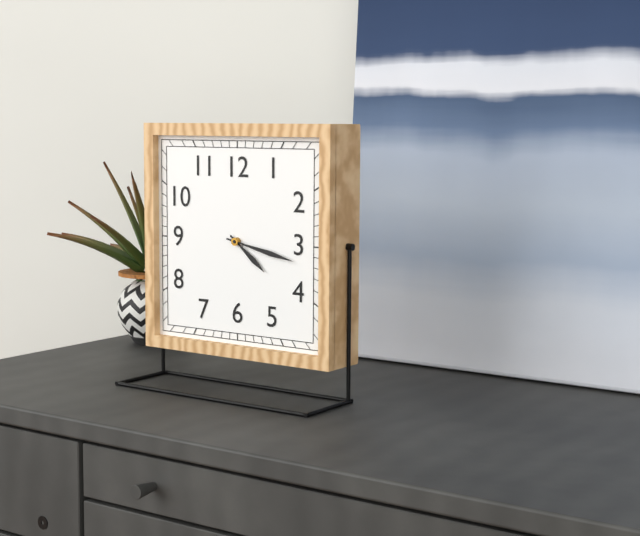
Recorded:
4 h 17 min
